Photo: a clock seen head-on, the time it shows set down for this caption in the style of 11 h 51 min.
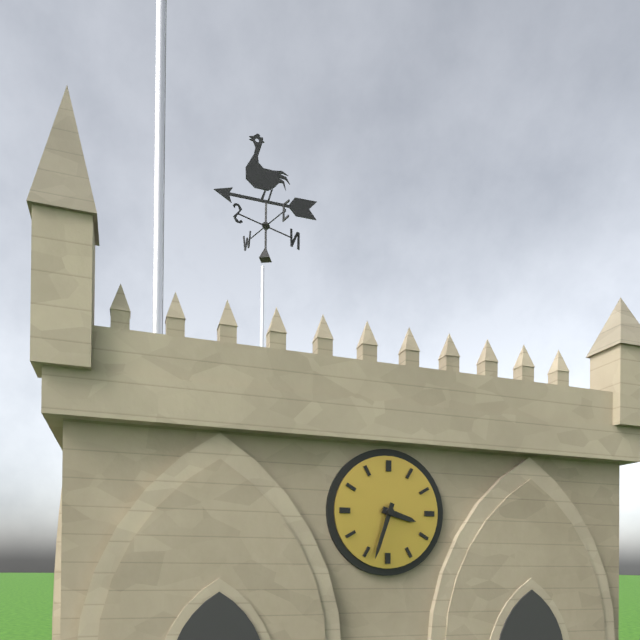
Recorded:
3 h 33 min
